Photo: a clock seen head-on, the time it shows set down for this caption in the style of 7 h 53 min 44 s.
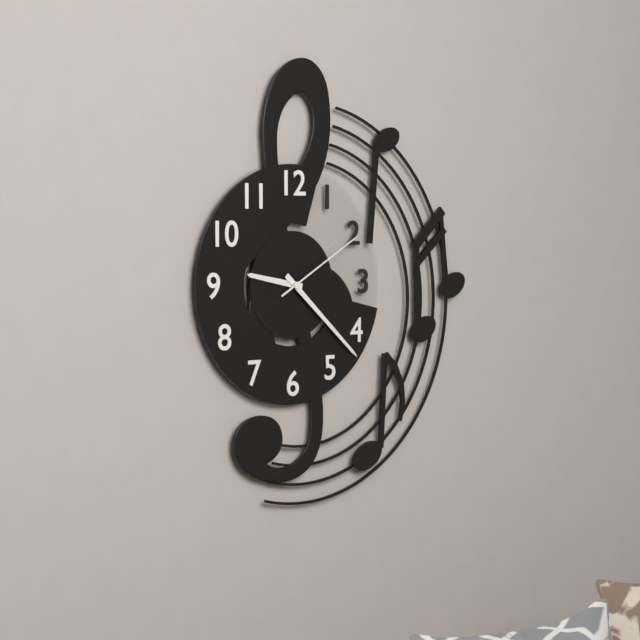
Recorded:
9 h 22 min 10 s
